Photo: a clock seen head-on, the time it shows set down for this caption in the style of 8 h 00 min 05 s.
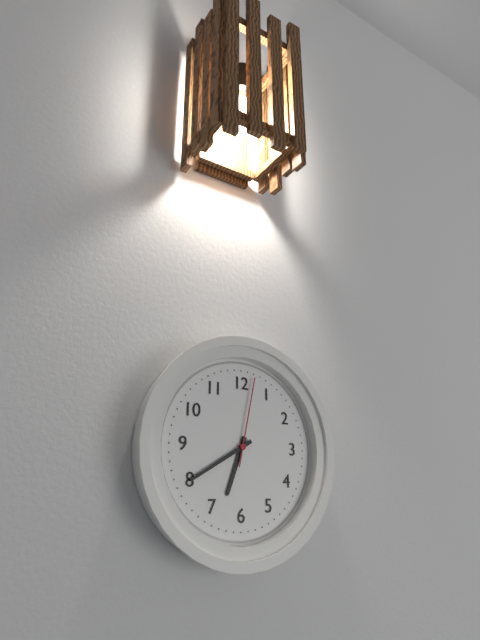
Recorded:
6 h 40 min 02 s
